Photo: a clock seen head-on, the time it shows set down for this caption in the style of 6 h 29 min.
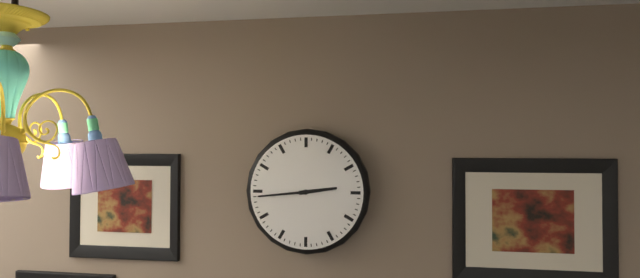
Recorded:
2 h 44 min
